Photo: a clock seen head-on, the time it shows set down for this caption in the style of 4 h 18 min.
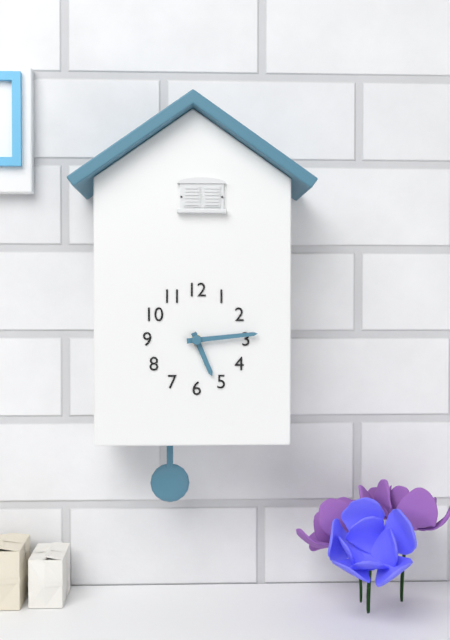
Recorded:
5 h 14 min
